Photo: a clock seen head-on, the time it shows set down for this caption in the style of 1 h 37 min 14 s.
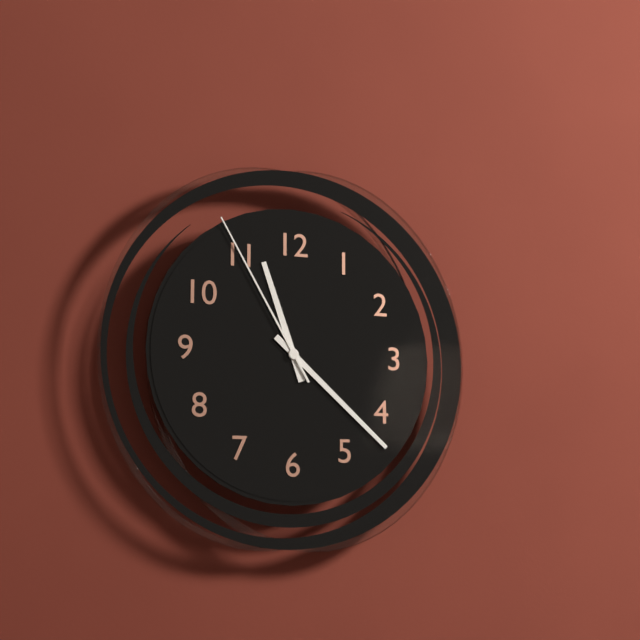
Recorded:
11 h 22 min 55 s
